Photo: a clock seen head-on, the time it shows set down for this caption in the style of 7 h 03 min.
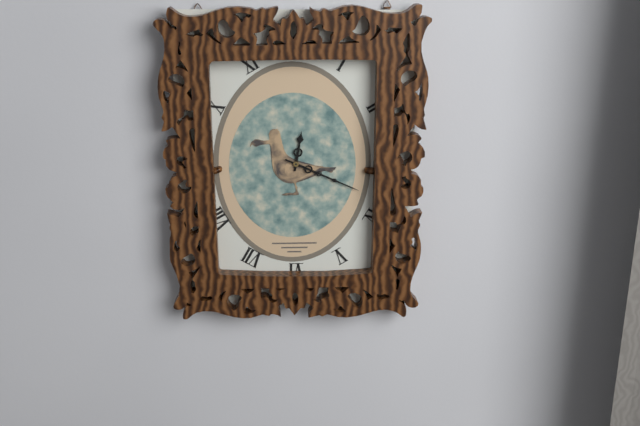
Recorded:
12 h 19 min
